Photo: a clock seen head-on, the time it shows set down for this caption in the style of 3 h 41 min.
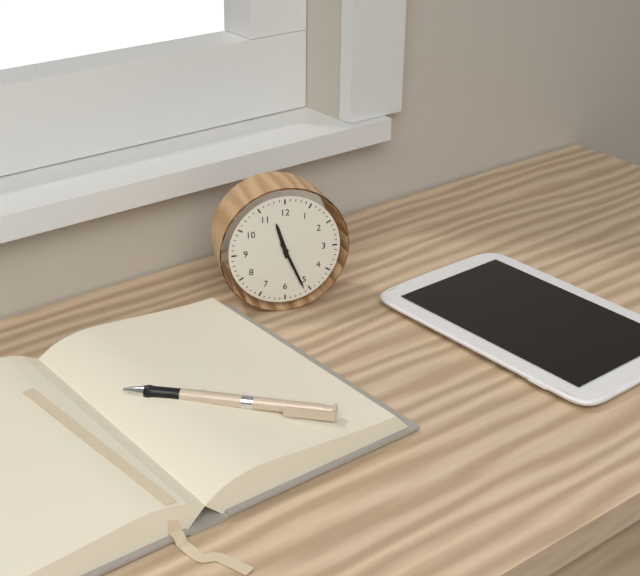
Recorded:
11 h 26 min
